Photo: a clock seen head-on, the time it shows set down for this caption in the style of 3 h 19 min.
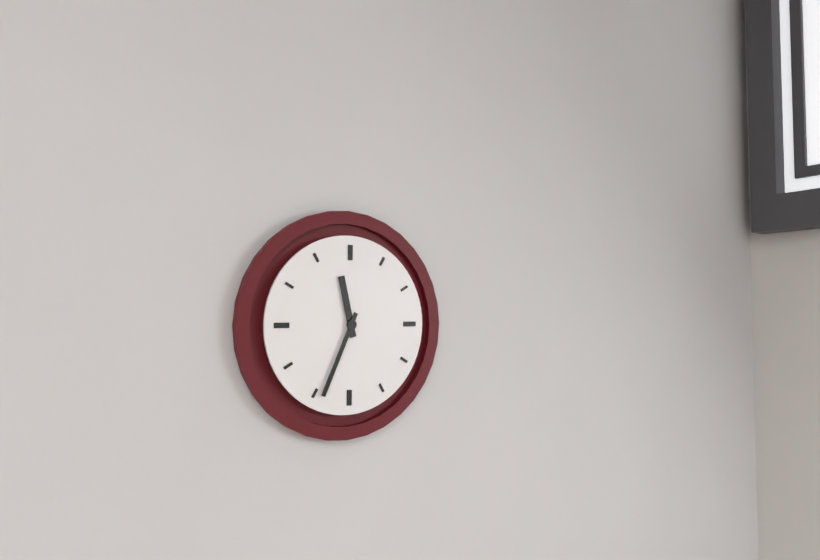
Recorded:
11 h 34 min
